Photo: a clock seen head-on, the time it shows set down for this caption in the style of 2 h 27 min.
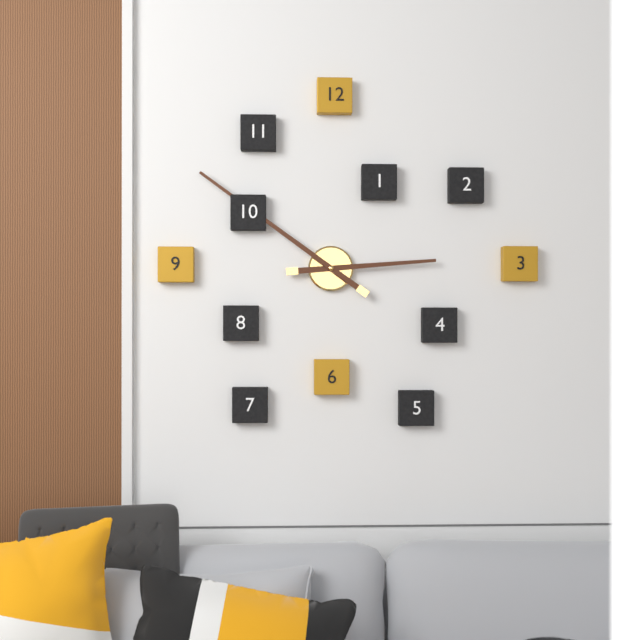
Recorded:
2 h 51 min
